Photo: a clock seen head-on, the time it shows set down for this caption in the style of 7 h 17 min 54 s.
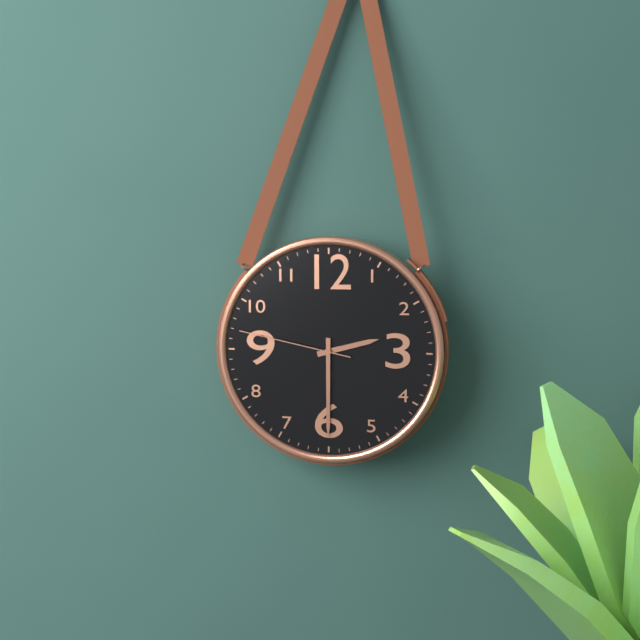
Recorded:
2 h 30 min 47 s
